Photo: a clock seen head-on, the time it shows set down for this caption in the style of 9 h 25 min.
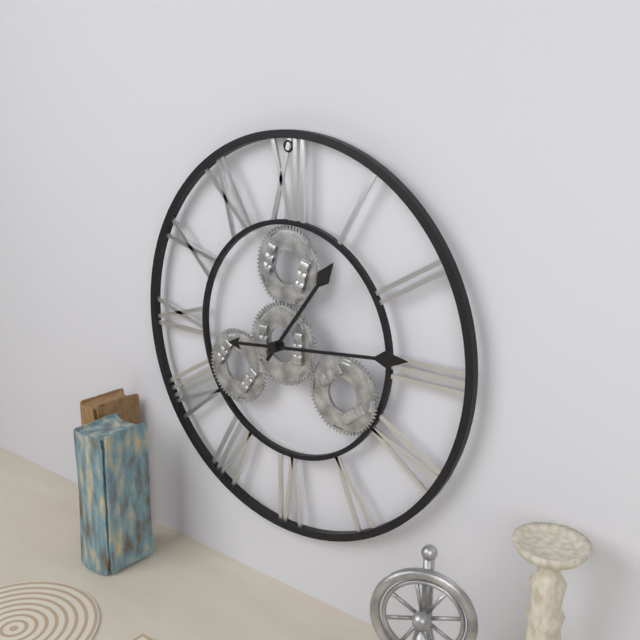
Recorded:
1 h 14 min
